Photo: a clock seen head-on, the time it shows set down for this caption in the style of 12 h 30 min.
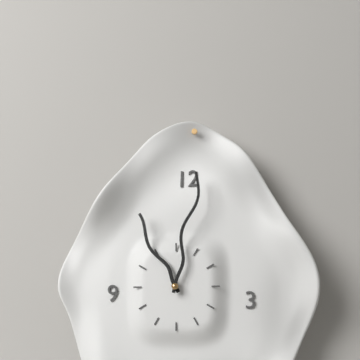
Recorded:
11 h 02 min
